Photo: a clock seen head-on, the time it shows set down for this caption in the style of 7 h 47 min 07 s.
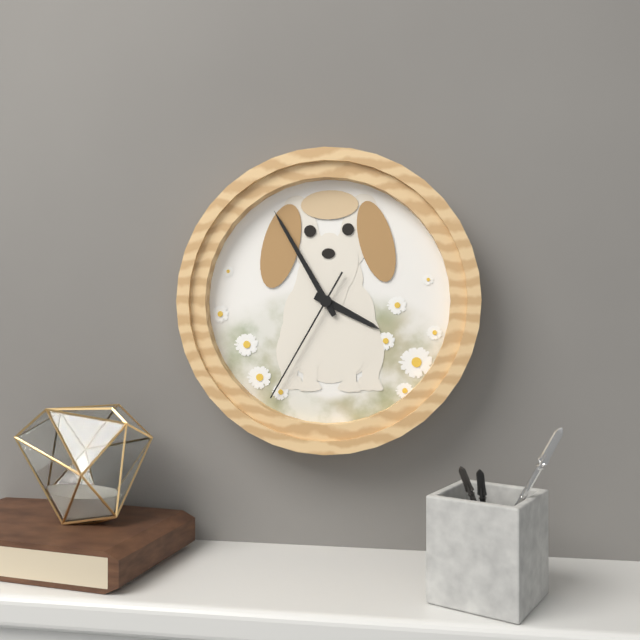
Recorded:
3 h 55 min 35 s
